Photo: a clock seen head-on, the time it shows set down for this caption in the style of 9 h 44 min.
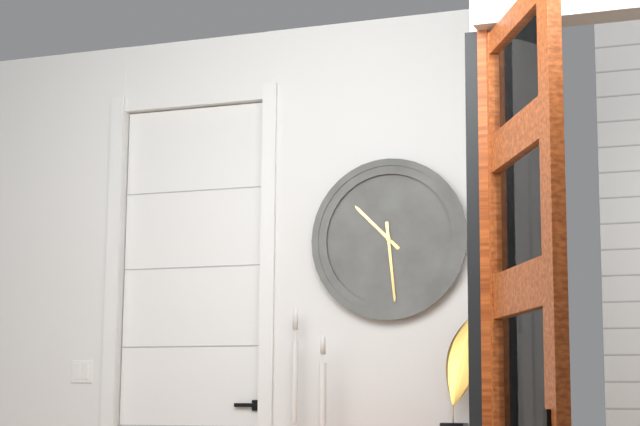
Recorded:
10 h 29 min
